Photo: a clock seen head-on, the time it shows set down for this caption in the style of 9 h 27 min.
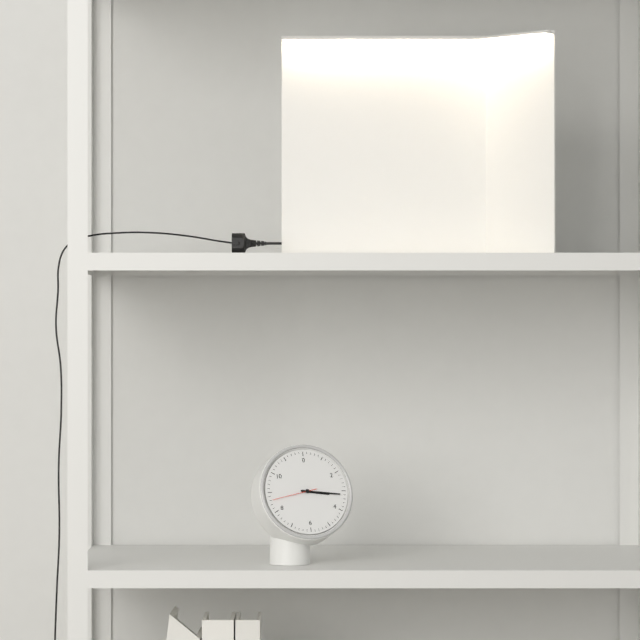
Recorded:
3 h 16 min
